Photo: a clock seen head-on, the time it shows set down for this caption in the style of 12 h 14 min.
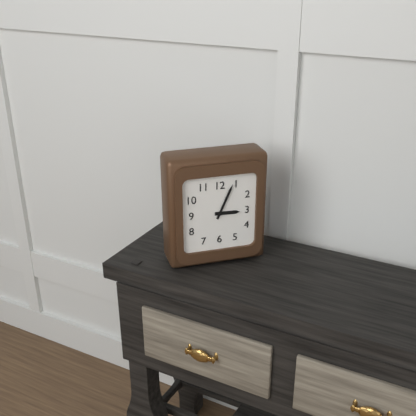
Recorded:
3 h 04 min
